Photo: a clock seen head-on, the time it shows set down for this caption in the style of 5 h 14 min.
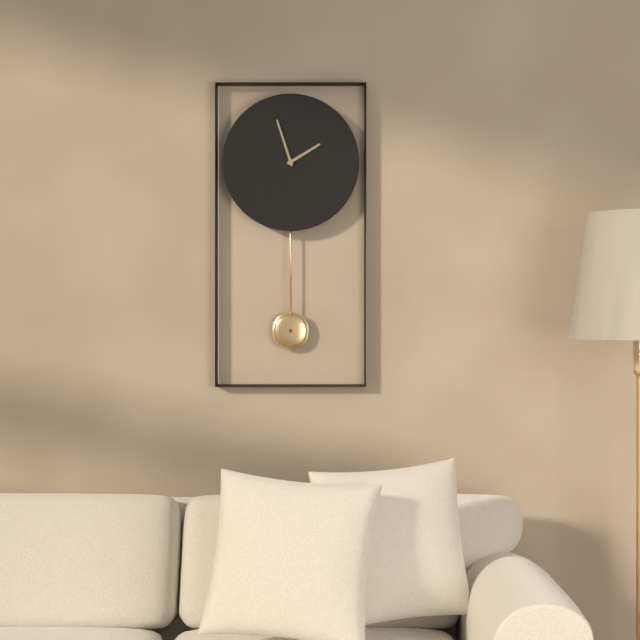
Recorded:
1 h 57 min
